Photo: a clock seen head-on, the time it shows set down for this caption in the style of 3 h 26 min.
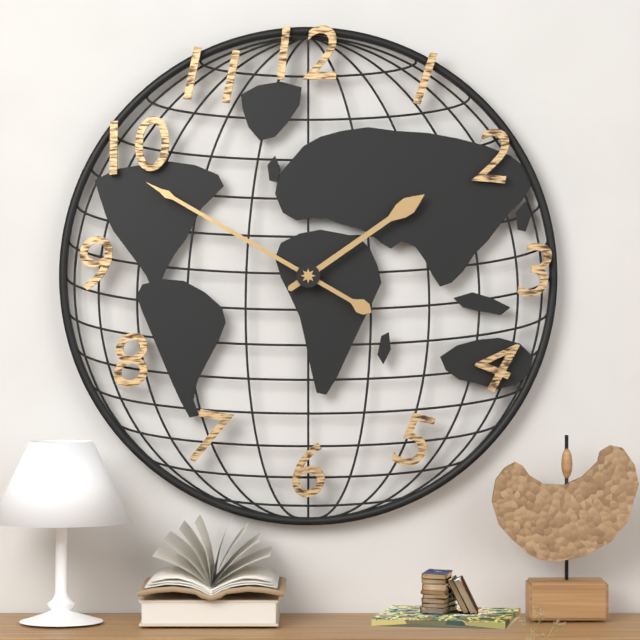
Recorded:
1 h 50 min
